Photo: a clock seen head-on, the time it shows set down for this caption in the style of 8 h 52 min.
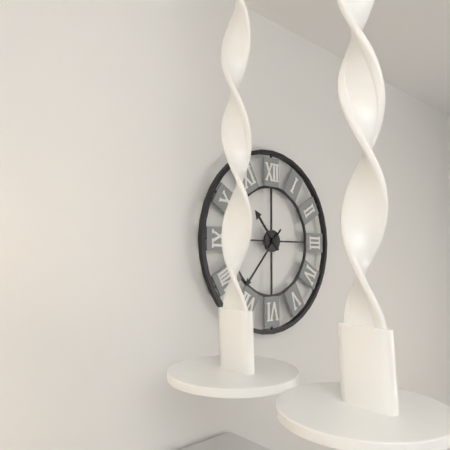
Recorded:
10 h 37 min
